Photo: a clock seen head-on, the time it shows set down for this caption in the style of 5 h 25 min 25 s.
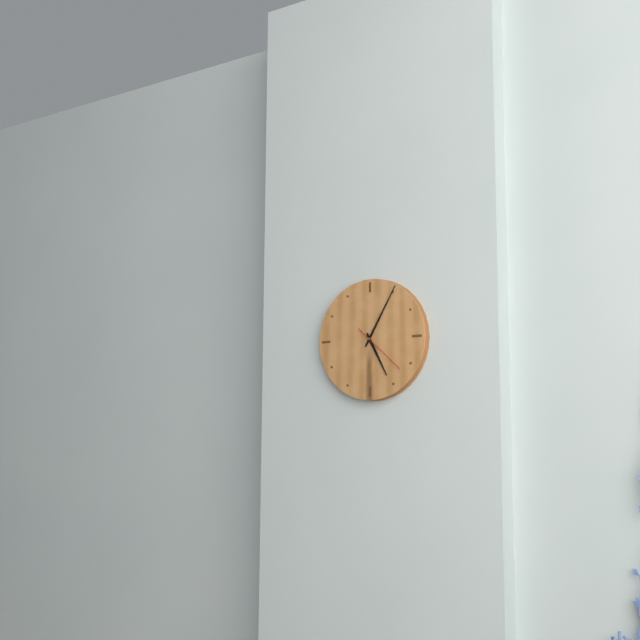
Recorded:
5 h 05 min 22 s
